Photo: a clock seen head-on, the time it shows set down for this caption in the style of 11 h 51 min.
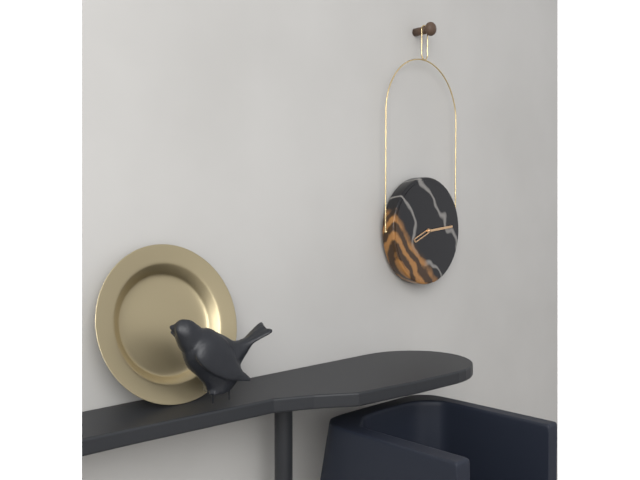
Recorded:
8 h 14 min
